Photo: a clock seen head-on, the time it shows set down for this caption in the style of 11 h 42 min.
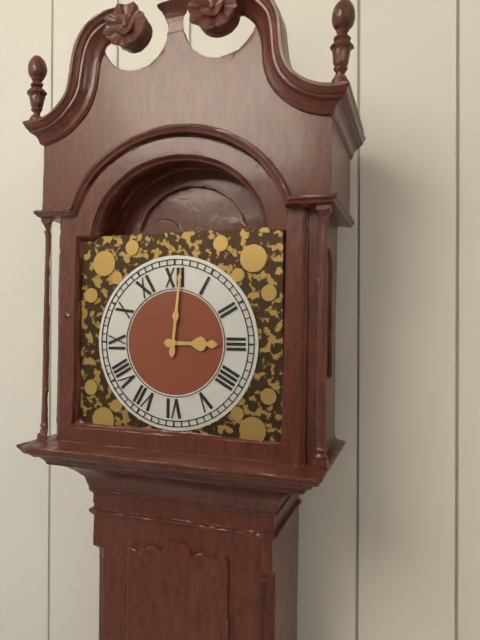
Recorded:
3 h 01 min
